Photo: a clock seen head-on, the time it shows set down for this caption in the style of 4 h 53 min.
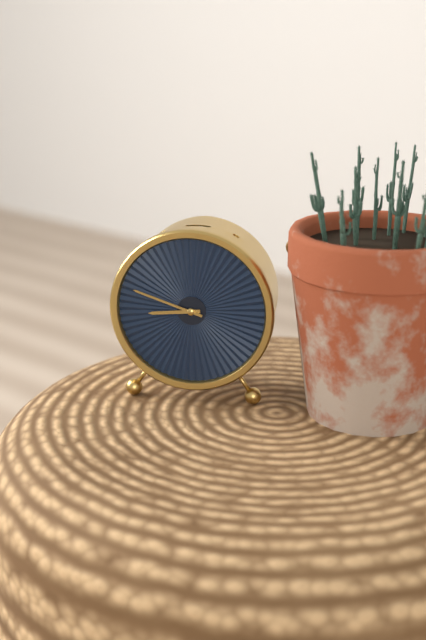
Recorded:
8 h 48 min
